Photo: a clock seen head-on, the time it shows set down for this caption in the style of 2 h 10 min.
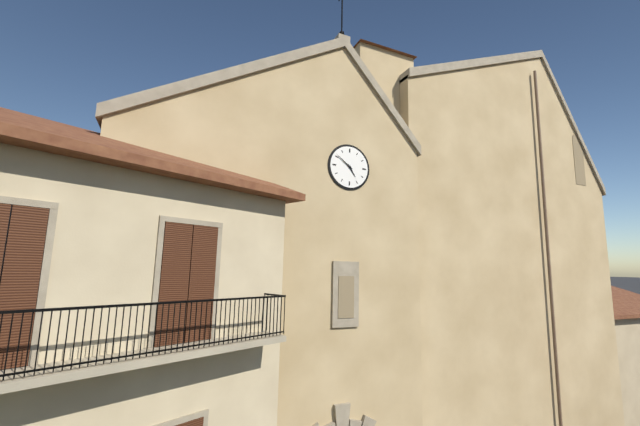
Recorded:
4 h 51 min
